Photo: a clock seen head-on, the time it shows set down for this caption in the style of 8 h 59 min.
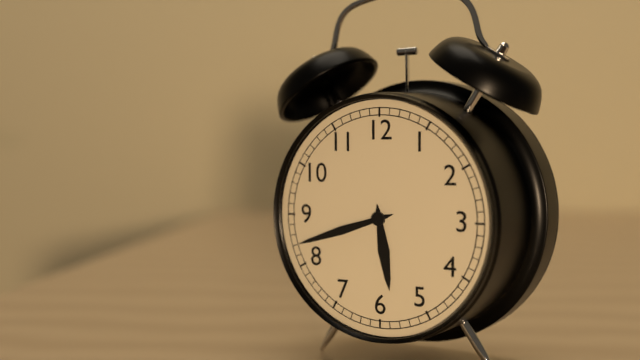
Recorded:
5 h 42 min
